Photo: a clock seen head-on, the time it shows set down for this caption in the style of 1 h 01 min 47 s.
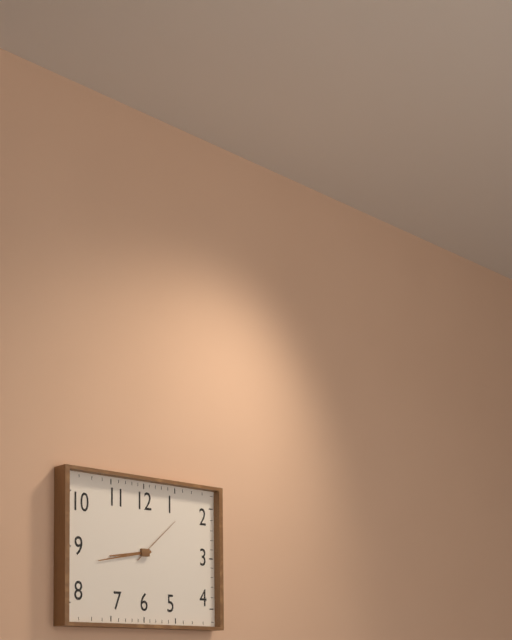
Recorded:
8 h 43 min 08 s
